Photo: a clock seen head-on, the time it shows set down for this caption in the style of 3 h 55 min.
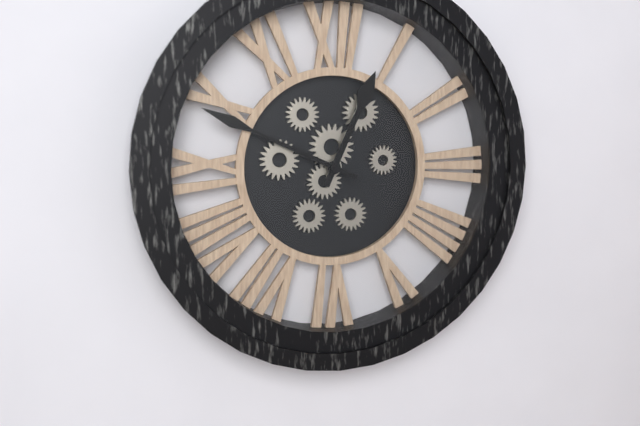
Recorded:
12 h 49 min
